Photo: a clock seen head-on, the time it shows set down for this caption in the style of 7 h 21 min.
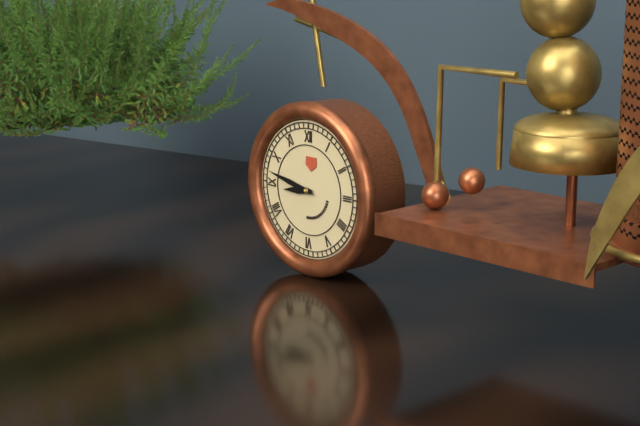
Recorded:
8 h 47 min
